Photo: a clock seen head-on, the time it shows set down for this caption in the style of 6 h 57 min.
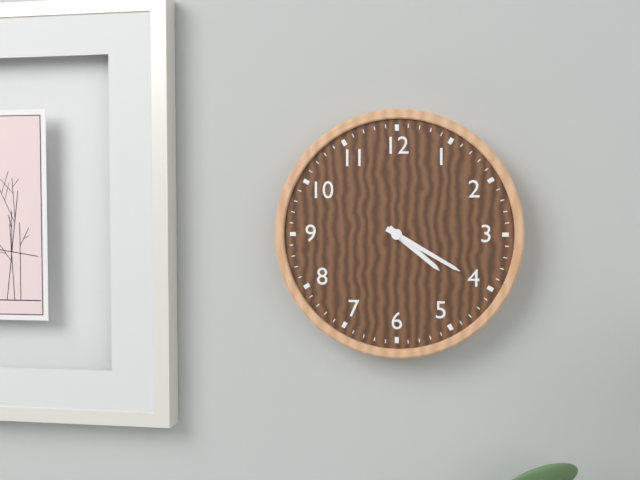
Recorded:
4 h 20 min
